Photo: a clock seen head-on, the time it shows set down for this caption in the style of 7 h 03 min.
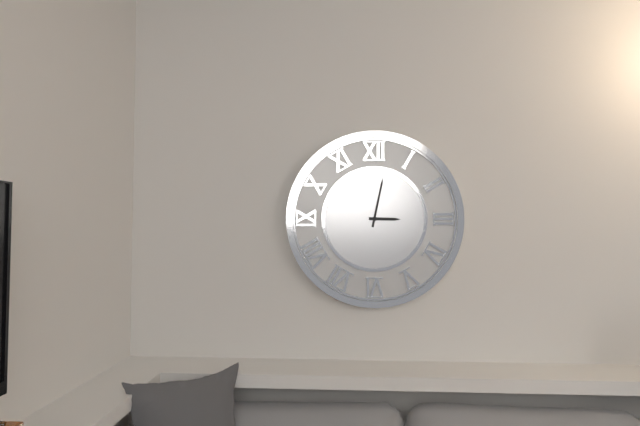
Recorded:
3 h 02 min
